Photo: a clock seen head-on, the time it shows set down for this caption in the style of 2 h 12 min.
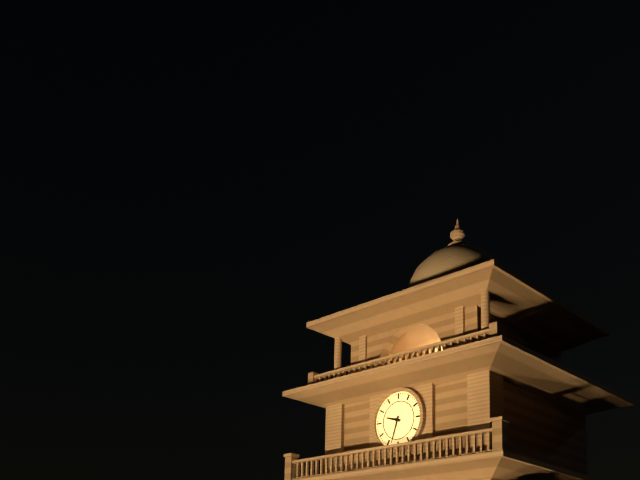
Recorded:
9 h 33 min
